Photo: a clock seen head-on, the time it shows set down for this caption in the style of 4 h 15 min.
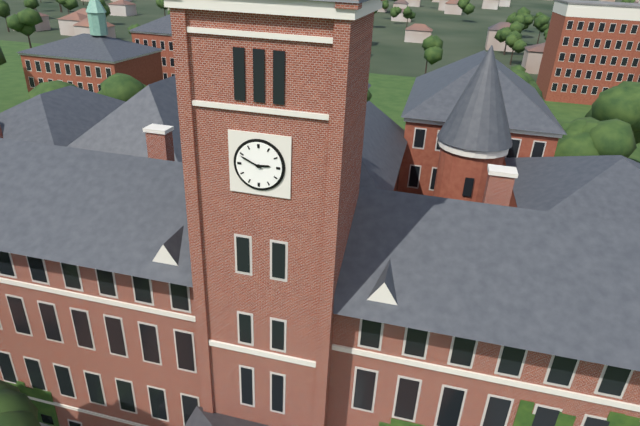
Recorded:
2 h 49 min
